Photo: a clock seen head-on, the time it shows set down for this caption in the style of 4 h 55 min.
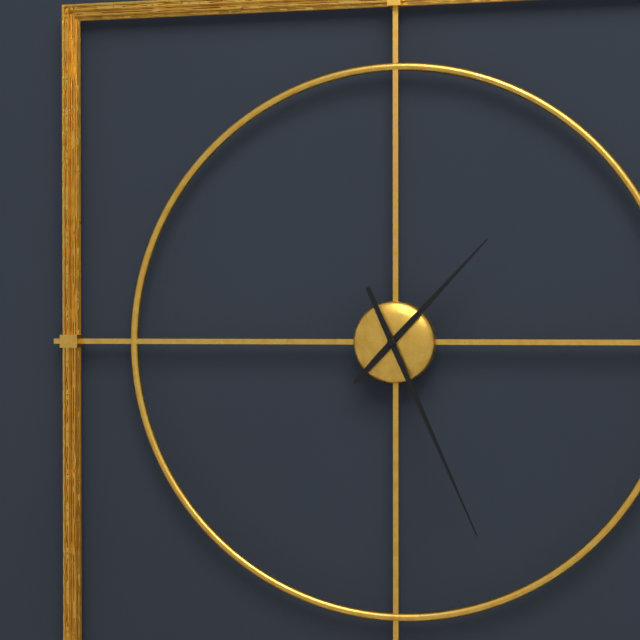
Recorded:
1 h 26 min
